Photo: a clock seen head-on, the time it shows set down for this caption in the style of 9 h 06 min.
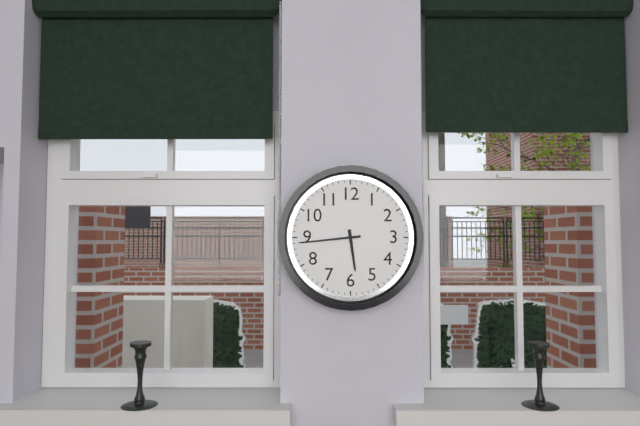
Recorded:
5 h 44 min
